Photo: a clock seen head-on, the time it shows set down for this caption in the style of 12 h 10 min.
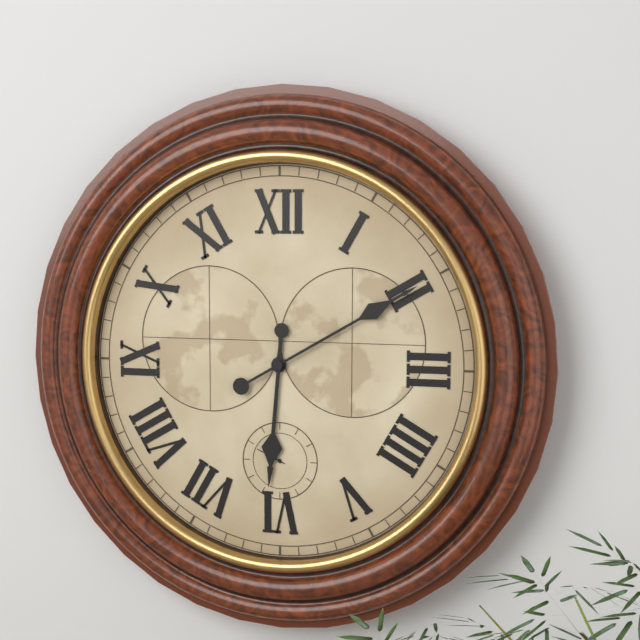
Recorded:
6 h 10 min
